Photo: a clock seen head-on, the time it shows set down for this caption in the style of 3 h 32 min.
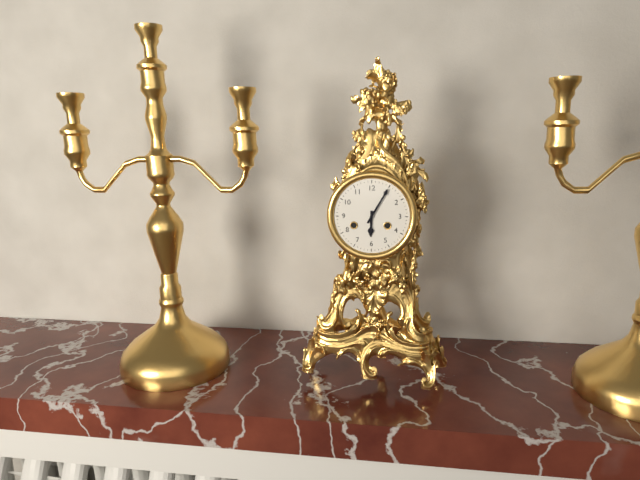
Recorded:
6 h 05 min
